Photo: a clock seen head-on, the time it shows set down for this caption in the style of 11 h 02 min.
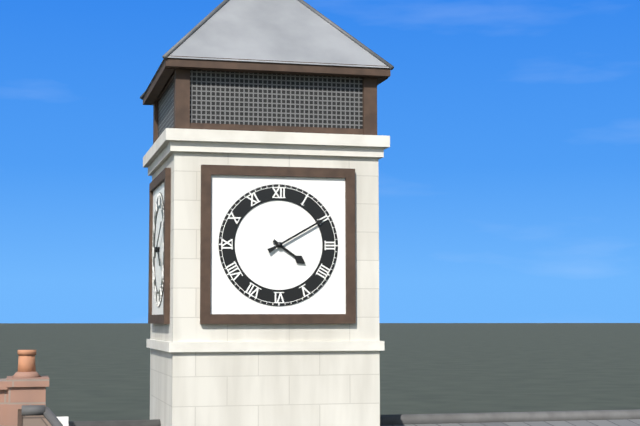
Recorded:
4 h 10 min
